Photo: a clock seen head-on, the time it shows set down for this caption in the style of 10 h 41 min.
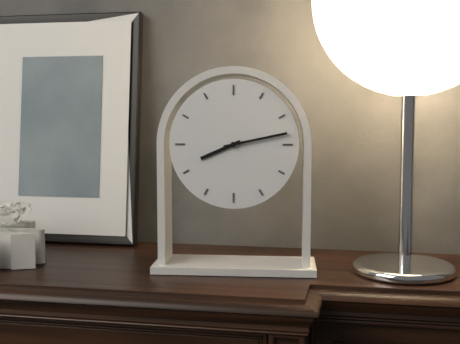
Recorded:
8 h 13 min
